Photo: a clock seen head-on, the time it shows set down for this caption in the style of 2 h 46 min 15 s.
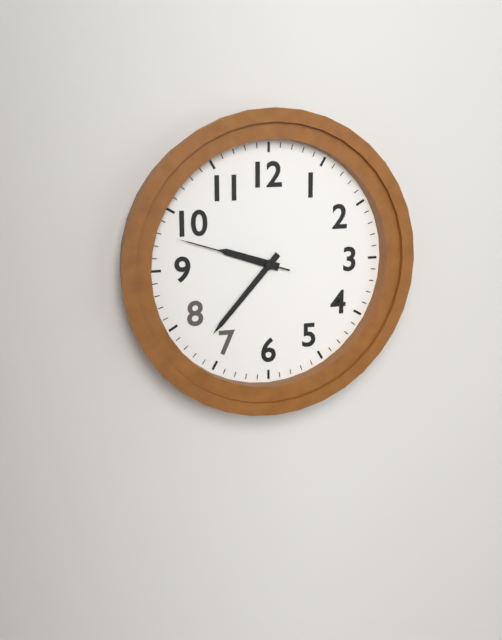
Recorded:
9 h 37 min 48 s
